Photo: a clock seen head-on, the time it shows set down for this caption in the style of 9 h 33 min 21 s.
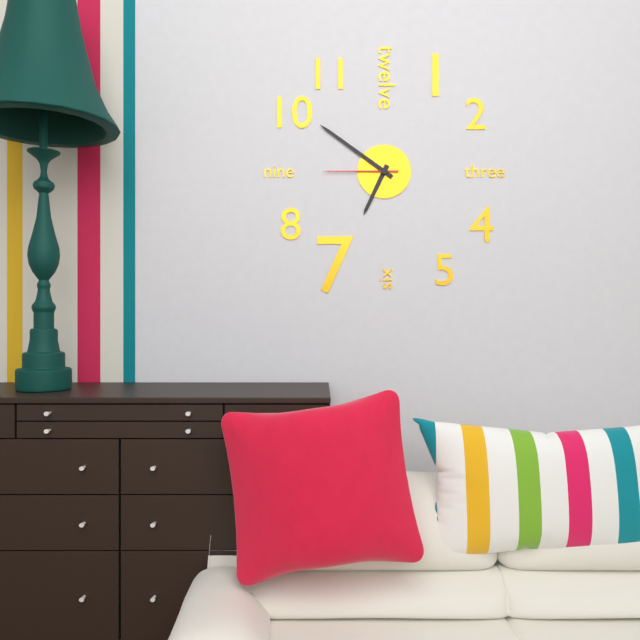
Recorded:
6 h 51 min 45 s
